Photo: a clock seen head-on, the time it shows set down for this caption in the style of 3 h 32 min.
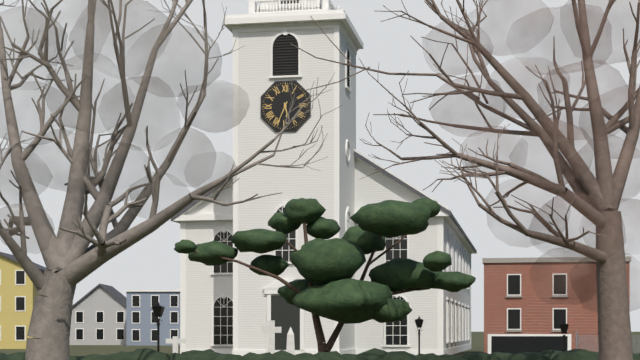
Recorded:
5 h 34 min
